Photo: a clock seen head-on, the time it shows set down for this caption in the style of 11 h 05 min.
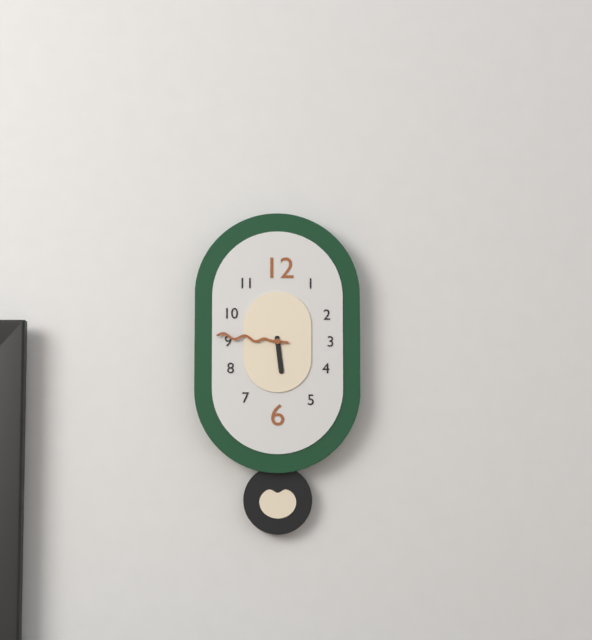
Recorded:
5 h 46 min
